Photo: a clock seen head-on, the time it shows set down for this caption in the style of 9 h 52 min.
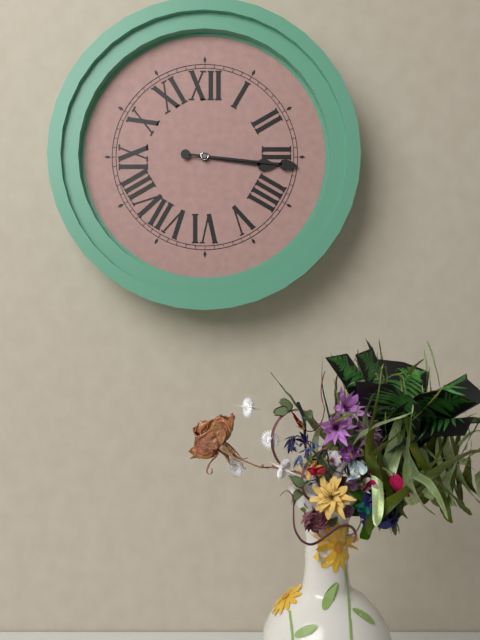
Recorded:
3 h 16 min
